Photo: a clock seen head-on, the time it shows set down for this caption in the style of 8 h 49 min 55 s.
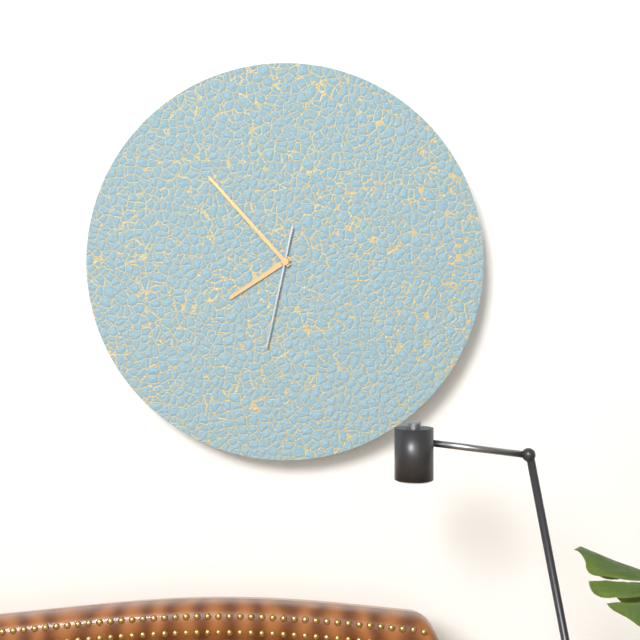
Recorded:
7 h 53 min 32 s
